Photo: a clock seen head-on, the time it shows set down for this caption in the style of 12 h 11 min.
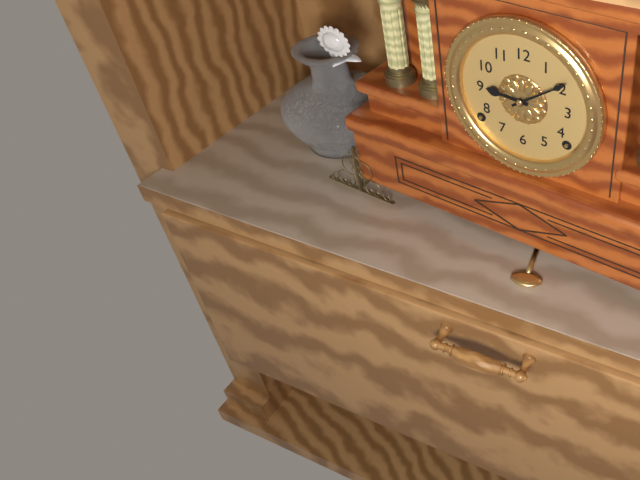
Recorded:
9 h 09 min
